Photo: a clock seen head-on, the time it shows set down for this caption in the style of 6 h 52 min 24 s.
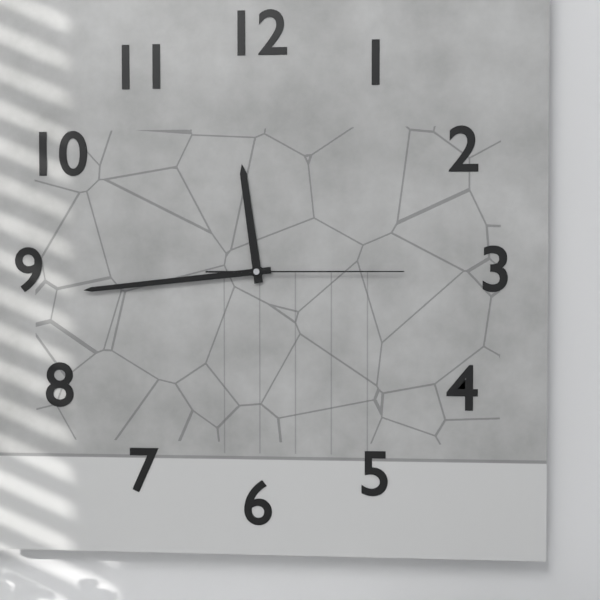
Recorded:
11 h 44 min 15 s
